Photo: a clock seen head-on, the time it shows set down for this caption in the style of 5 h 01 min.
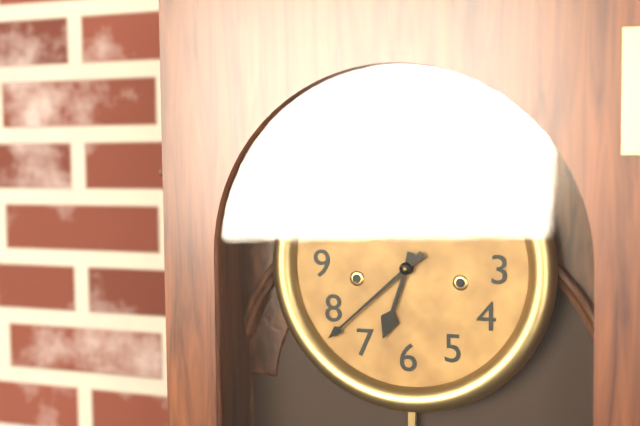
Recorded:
6 h 38 min
